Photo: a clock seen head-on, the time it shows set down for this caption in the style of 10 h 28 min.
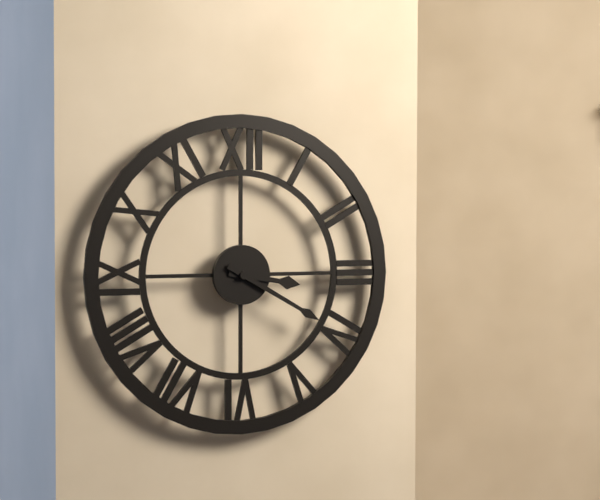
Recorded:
3 h 20 min
